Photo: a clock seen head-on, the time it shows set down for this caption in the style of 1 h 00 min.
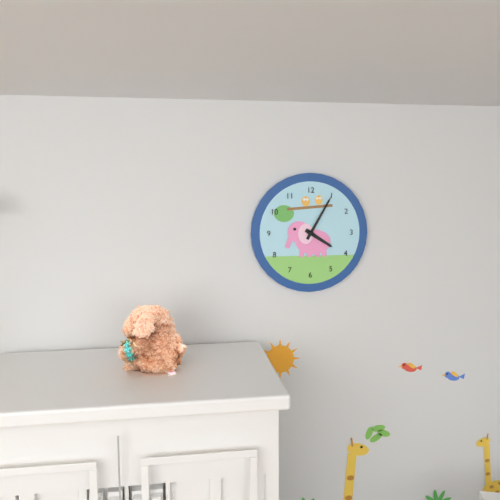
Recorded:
4 h 05 min
